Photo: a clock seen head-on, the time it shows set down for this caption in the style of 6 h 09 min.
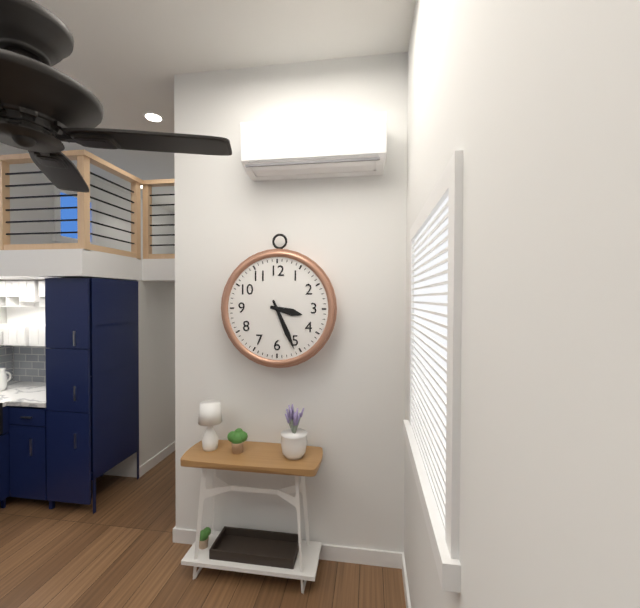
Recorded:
3 h 26 min
